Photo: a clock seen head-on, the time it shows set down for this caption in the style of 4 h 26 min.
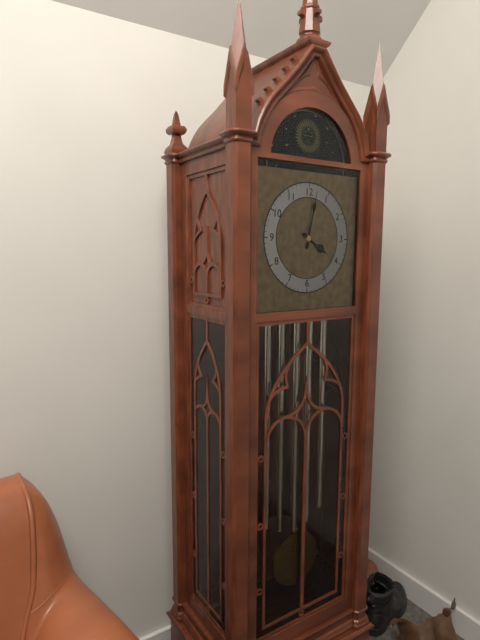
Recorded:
4 h 02 min
